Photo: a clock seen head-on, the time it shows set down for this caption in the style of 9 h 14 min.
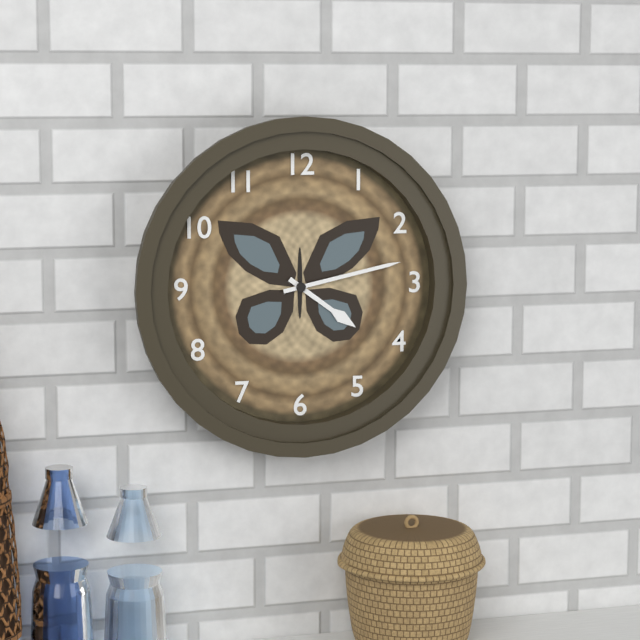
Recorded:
4 h 13 min
